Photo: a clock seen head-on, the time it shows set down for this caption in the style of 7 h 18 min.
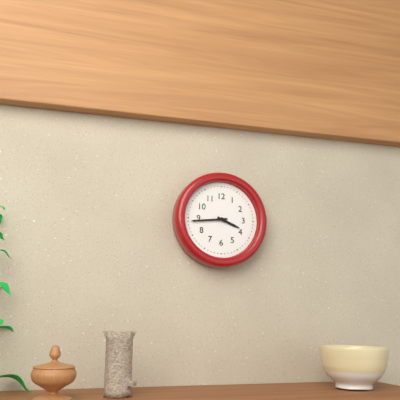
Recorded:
3 h 44 min
